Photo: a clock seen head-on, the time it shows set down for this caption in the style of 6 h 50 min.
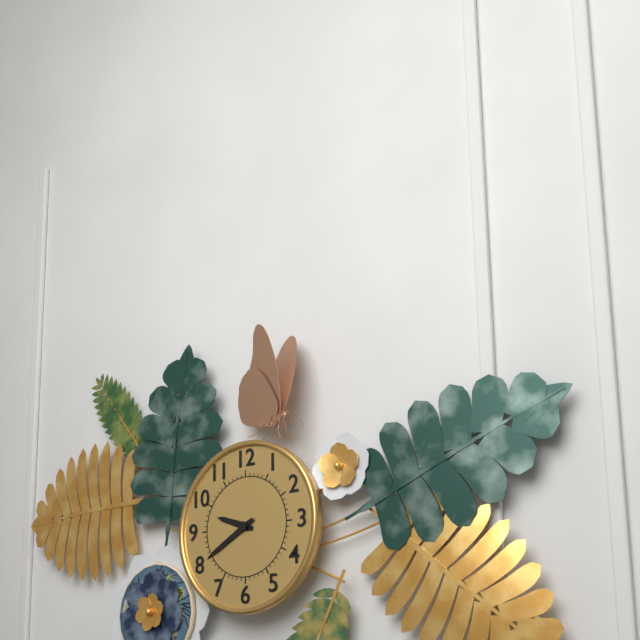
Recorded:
9 h 40 min
